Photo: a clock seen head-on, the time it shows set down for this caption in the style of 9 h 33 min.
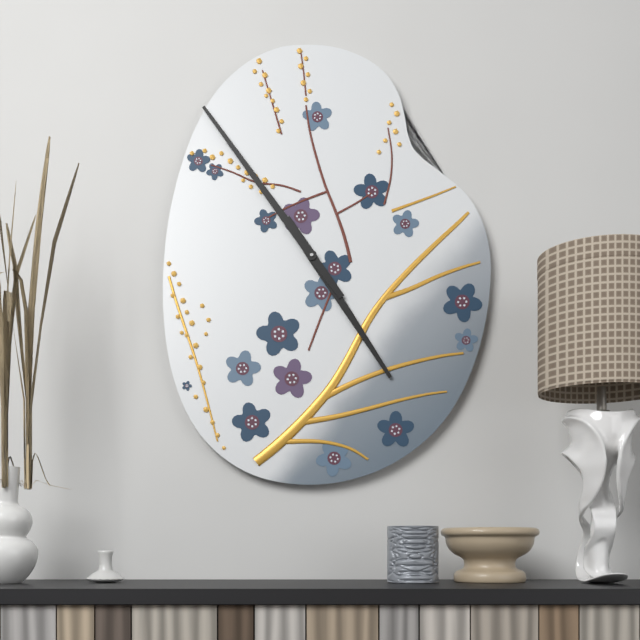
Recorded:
4 h 54 min
